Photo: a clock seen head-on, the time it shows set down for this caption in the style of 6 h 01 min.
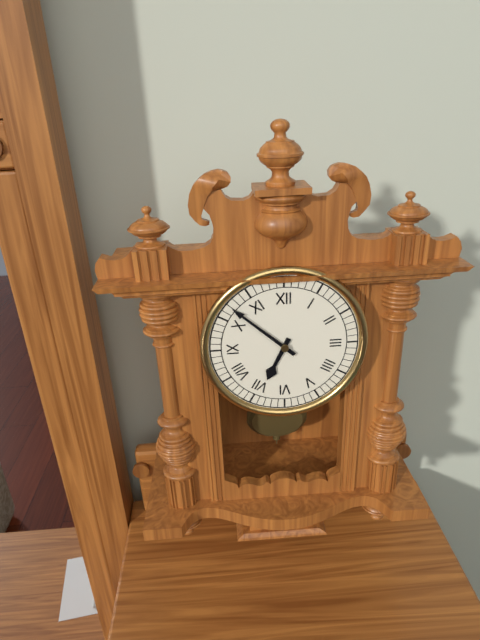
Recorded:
6 h 52 min
